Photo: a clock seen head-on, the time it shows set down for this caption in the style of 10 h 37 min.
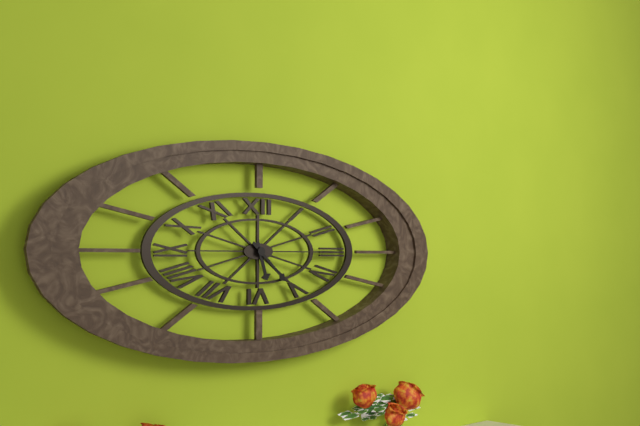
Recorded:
5 h 22 min
